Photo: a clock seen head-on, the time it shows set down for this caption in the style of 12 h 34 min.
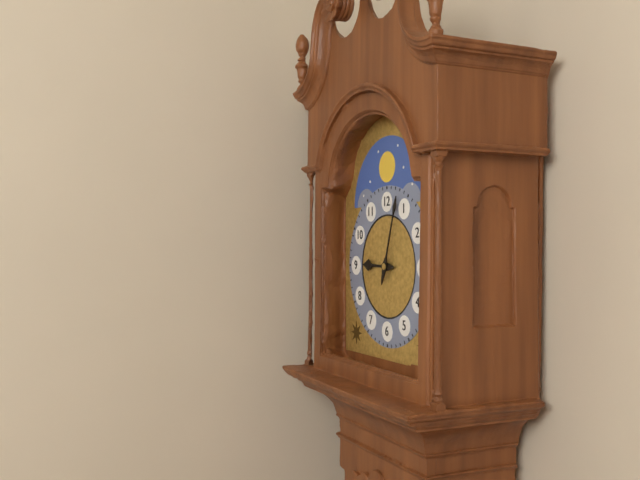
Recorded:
9 h 03 min
